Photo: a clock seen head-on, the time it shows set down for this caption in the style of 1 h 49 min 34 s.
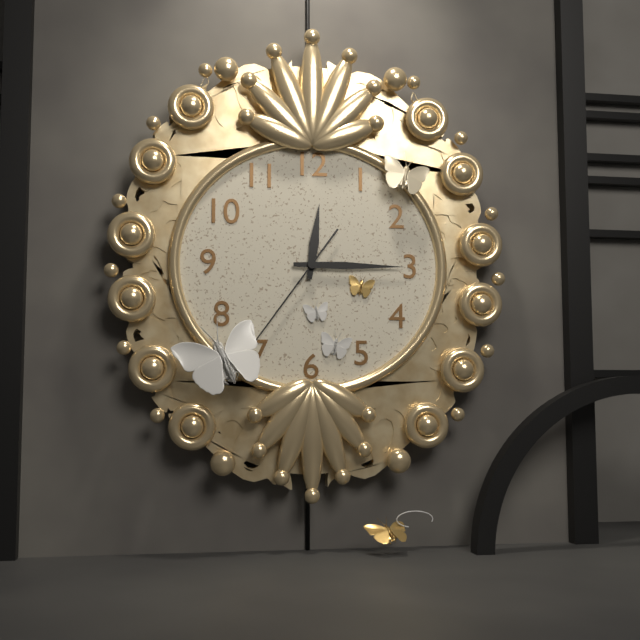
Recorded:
12 h 15 min 36 s
